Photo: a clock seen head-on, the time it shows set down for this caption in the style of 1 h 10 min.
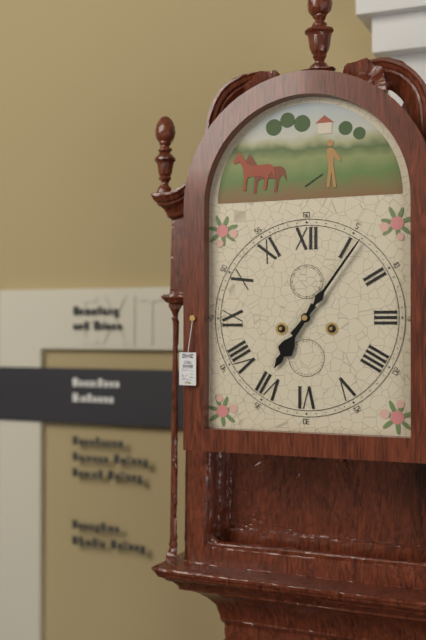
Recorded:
7 h 06 min
